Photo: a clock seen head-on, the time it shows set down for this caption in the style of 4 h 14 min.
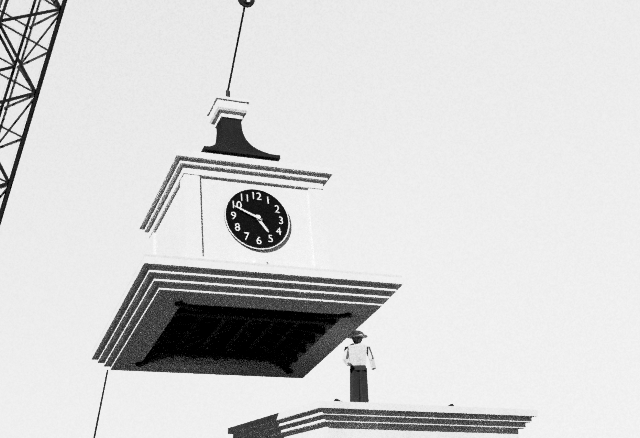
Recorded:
4 h 49 min
